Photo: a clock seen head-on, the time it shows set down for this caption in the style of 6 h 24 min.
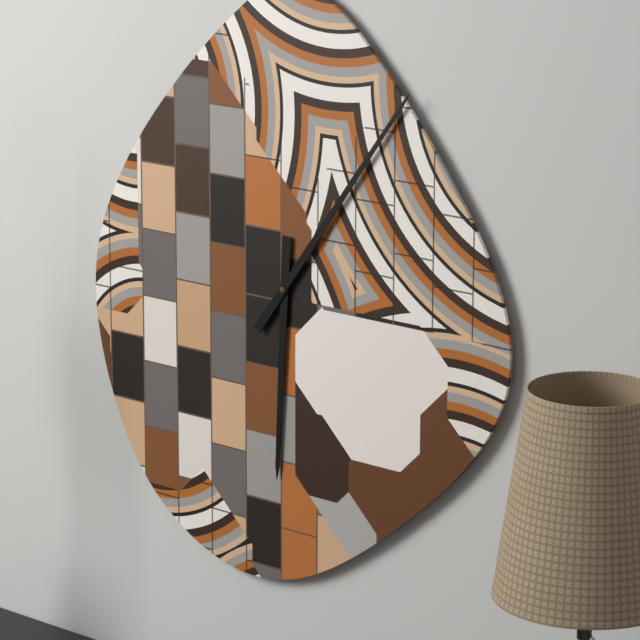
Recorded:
6 h 06 min
